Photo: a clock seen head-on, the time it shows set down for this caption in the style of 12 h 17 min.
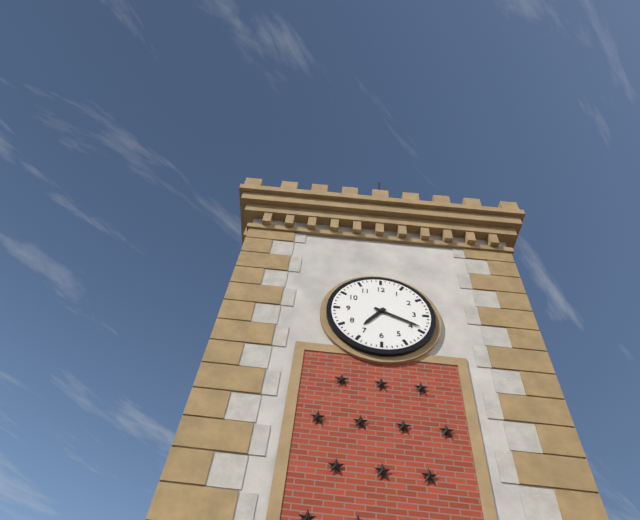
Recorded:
7 h 19 min
